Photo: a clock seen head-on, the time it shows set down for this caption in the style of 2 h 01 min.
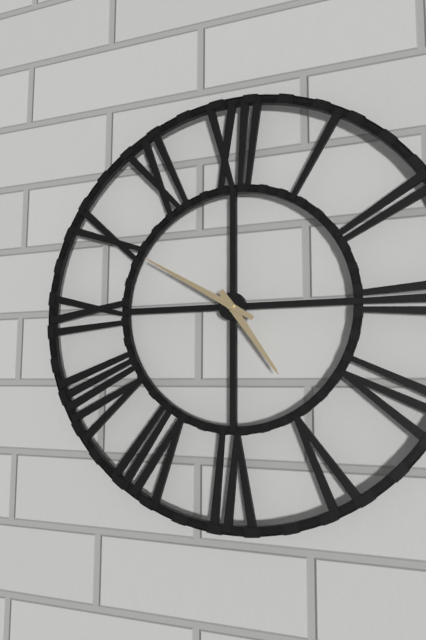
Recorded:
4 h 50 min
